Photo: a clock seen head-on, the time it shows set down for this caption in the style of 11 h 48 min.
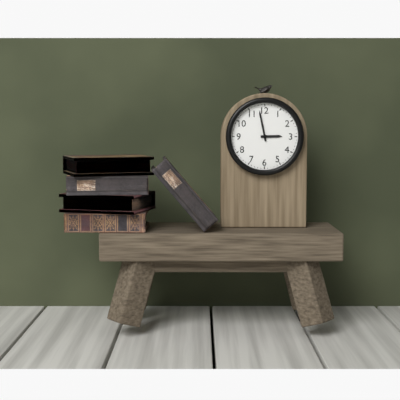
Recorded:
2 h 58 min
